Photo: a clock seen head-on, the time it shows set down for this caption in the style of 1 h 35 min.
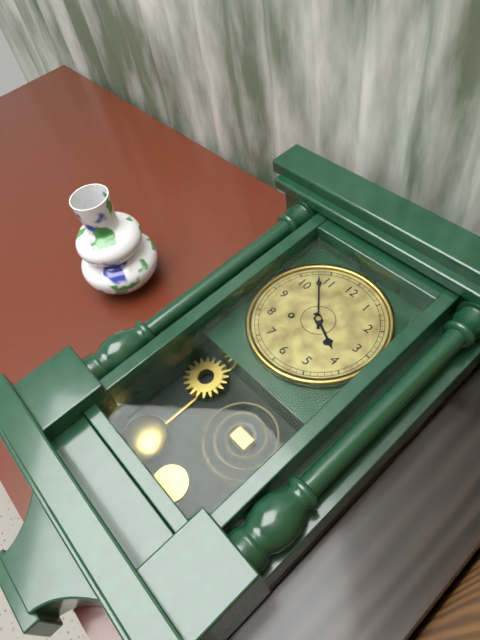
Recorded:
3 h 53 min
